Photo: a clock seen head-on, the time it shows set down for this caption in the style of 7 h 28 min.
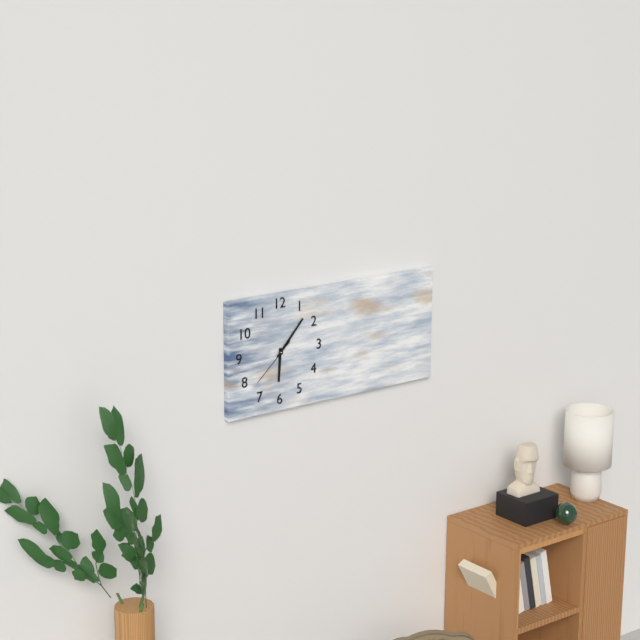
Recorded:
6 h 07 min
